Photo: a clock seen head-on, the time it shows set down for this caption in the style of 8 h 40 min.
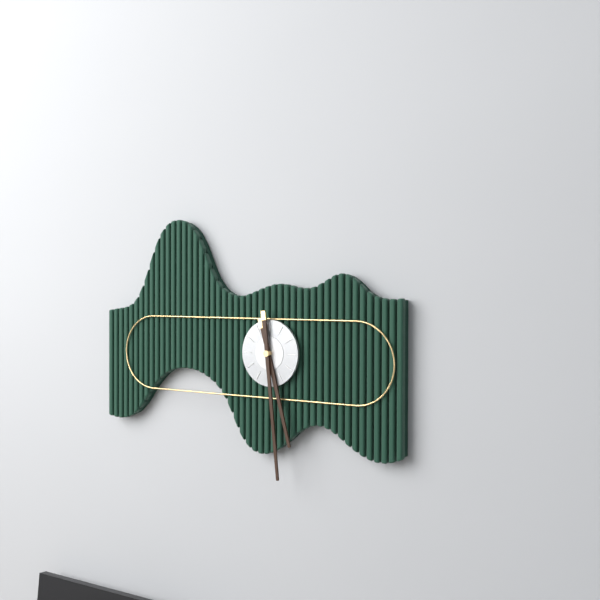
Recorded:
5 h 29 min
